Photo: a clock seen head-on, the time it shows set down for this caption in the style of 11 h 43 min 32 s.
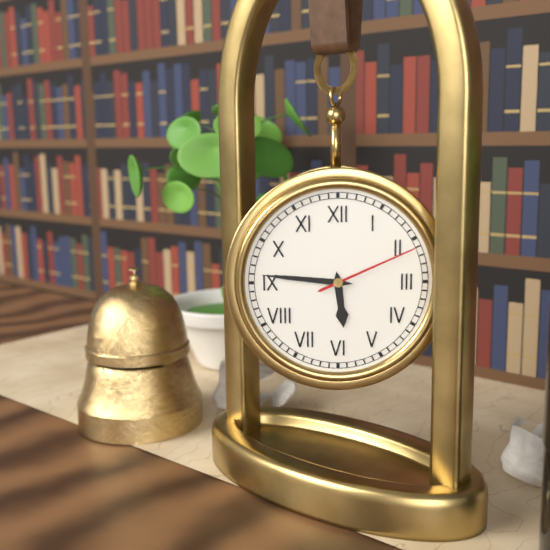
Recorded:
5 h 46 min 11 s
